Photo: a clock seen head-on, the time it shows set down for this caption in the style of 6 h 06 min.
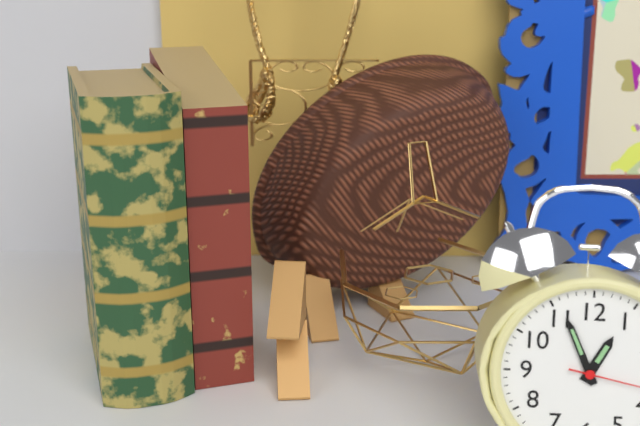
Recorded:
12 h 56 min
